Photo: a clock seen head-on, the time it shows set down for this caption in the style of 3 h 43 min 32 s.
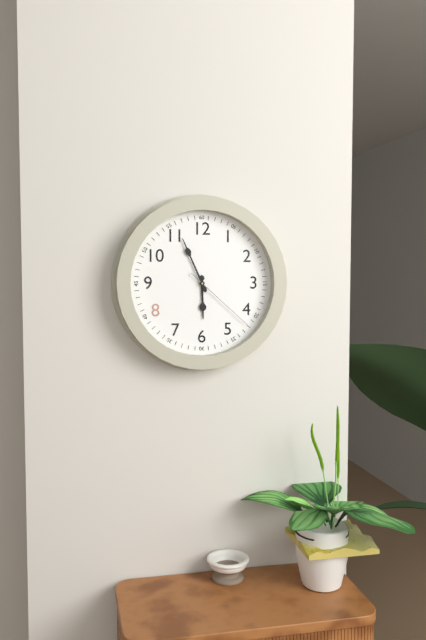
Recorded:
5 h 56 min 22 s
